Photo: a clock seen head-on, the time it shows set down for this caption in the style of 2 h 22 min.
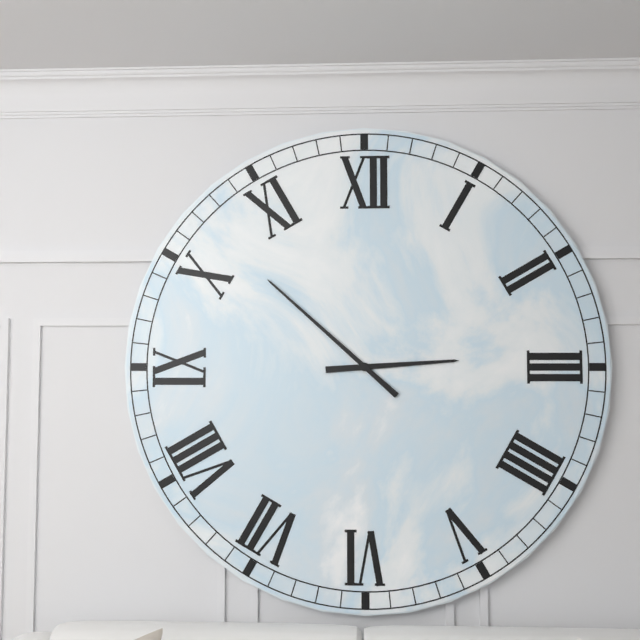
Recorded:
2 h 52 min
